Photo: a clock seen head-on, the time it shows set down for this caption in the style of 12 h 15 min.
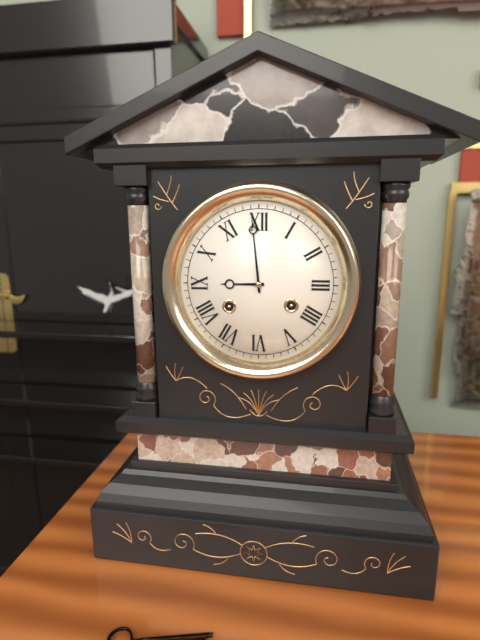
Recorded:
8 h 59 min
